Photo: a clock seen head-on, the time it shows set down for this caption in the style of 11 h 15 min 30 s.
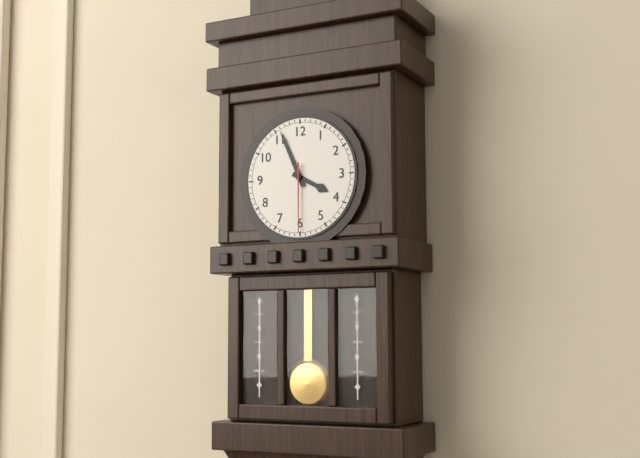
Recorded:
3 h 56 min 30 s
